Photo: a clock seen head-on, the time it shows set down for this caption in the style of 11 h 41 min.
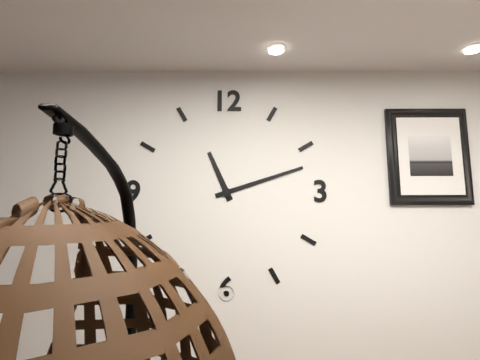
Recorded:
11 h 12 min
